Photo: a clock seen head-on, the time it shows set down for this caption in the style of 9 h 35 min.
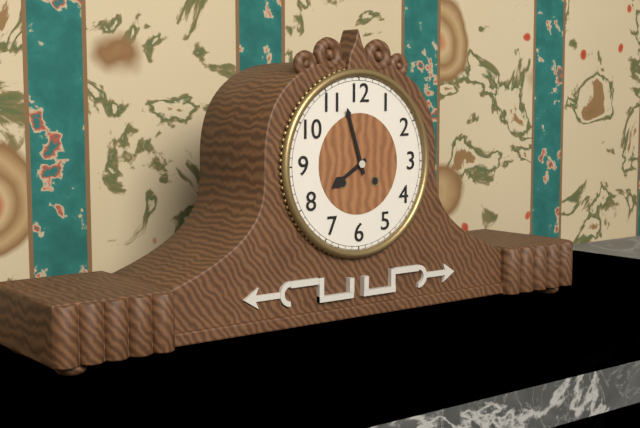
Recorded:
7 h 57 min
